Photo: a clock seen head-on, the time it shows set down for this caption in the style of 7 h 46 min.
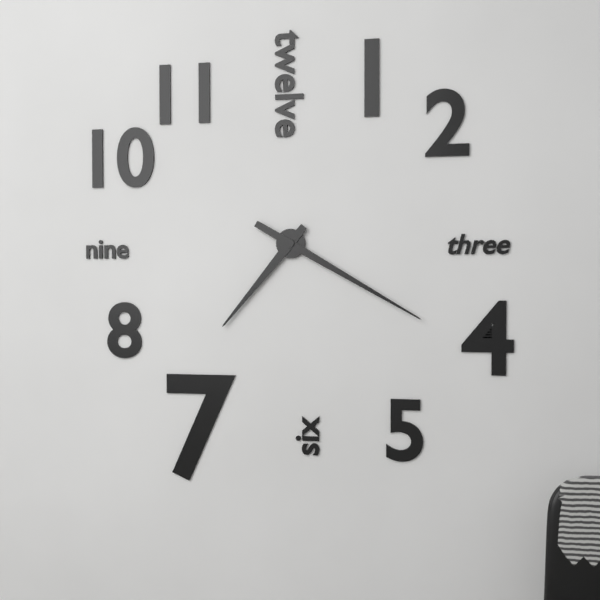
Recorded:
7 h 20 min
